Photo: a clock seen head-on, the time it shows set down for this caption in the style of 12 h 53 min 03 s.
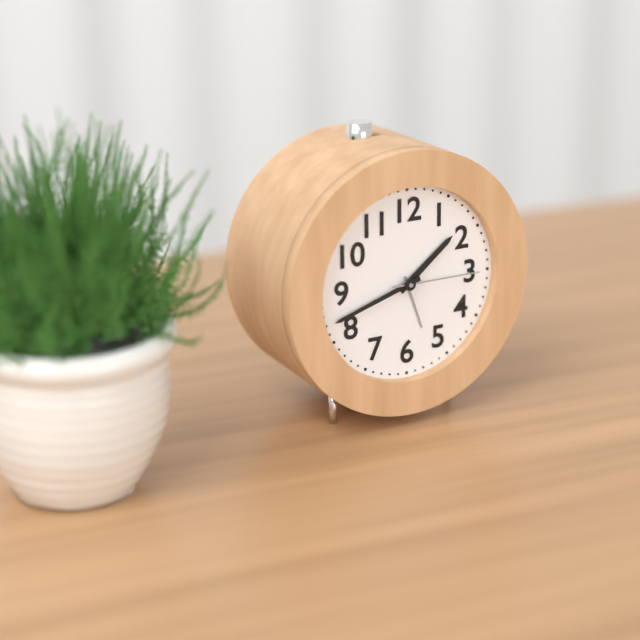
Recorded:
1 h 42 min 15 s
